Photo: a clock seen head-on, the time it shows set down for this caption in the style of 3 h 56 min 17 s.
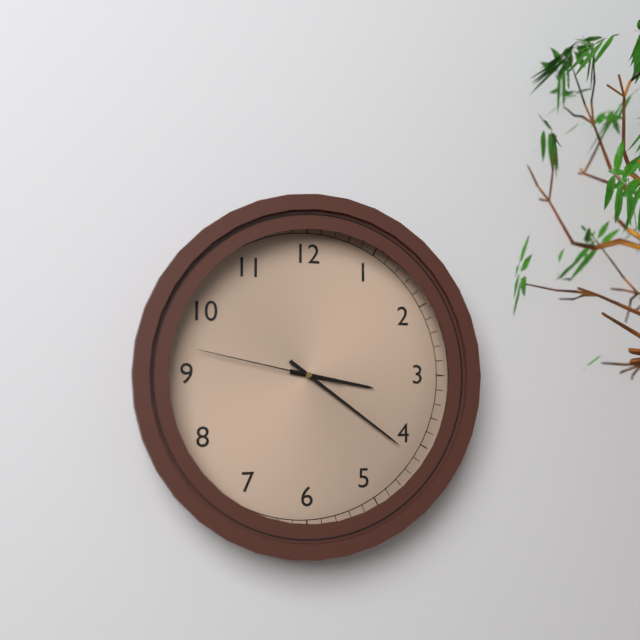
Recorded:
3 h 21 min 47 s
